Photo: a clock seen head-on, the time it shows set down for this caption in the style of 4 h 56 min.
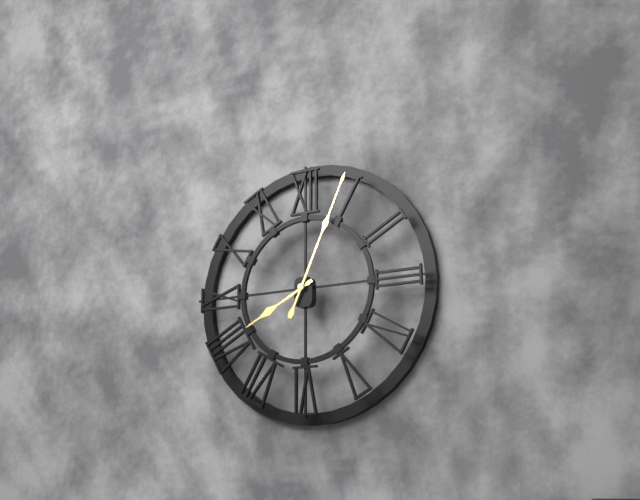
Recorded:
8 h 04 min
